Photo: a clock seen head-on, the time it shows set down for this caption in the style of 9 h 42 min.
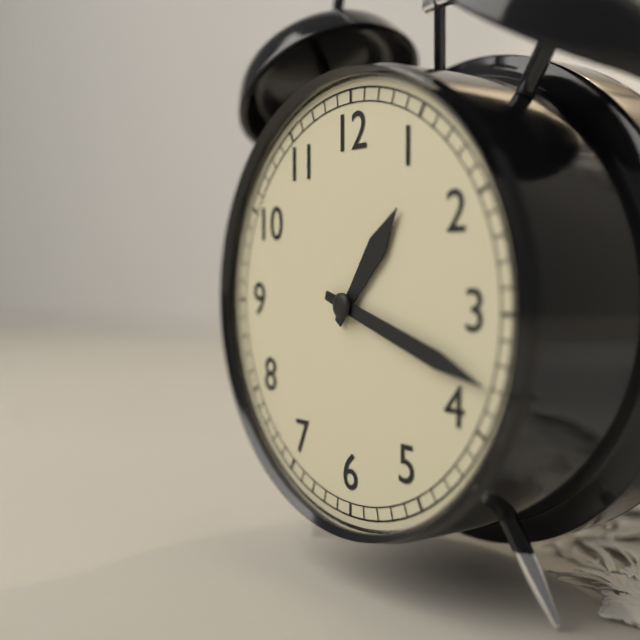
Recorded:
1 h 18 min
